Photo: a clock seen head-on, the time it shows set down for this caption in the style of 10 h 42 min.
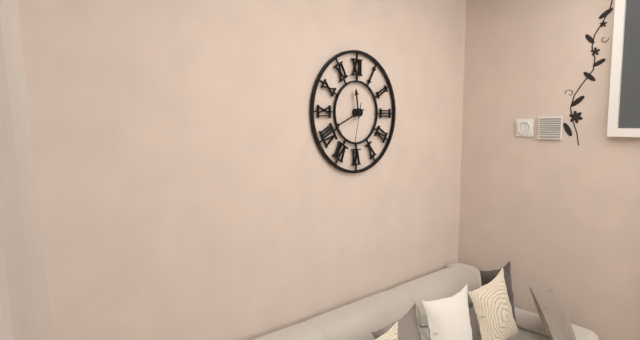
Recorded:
11 h 41 min
